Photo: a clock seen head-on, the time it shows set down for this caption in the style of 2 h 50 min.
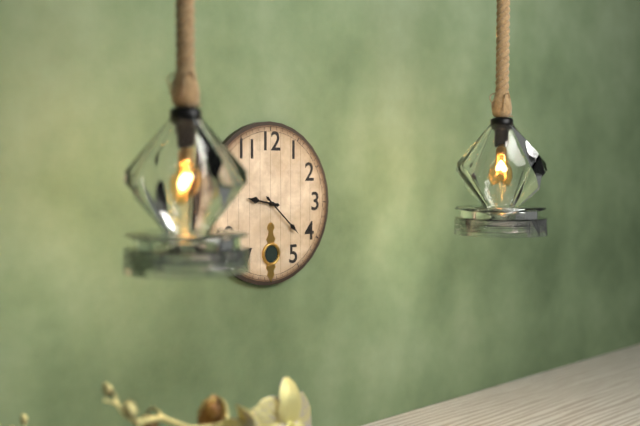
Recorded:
9 h 22 min
